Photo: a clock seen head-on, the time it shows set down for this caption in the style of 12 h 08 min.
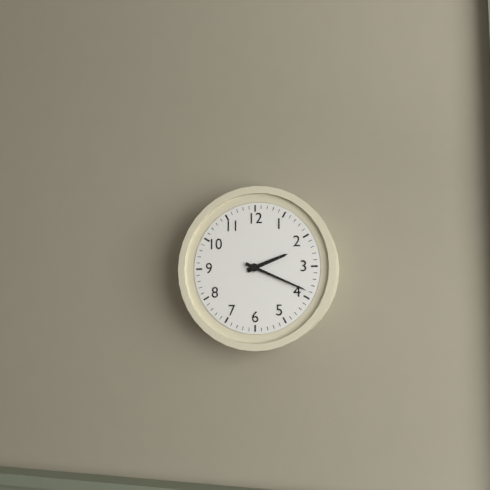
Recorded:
2 h 19 min
